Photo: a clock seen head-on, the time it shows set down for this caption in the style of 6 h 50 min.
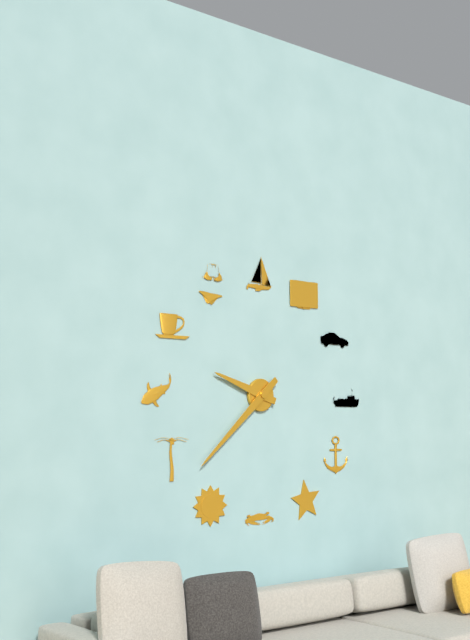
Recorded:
9 h 38 min
